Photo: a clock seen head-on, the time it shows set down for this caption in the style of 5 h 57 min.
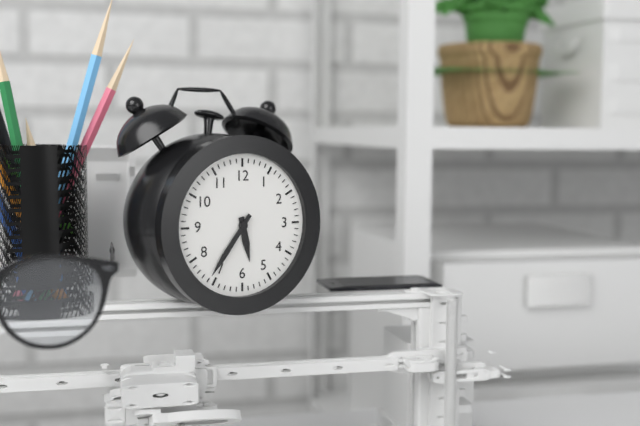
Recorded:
5 h 36 min
